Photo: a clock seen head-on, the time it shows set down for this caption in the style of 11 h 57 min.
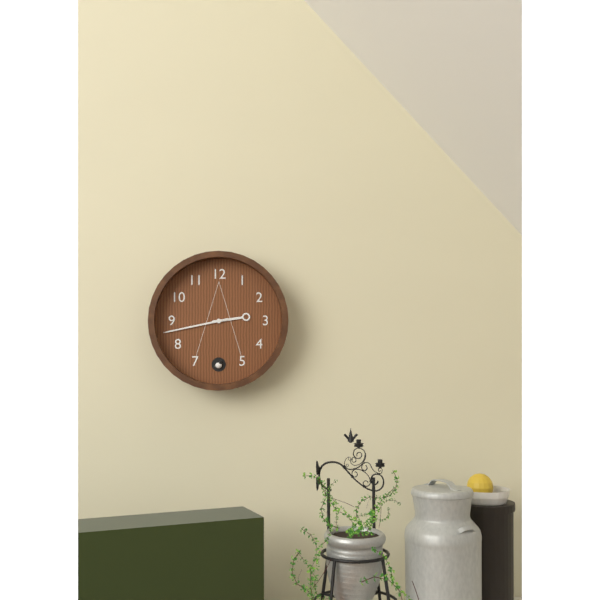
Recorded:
2 h 43 min
